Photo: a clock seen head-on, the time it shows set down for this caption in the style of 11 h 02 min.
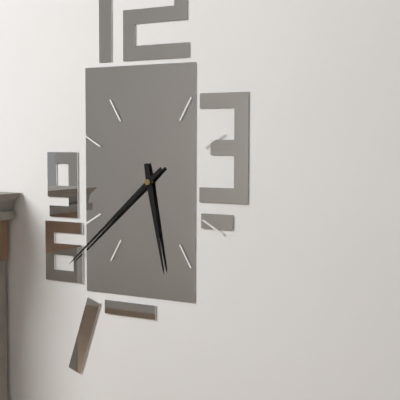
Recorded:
5 h 38 min
